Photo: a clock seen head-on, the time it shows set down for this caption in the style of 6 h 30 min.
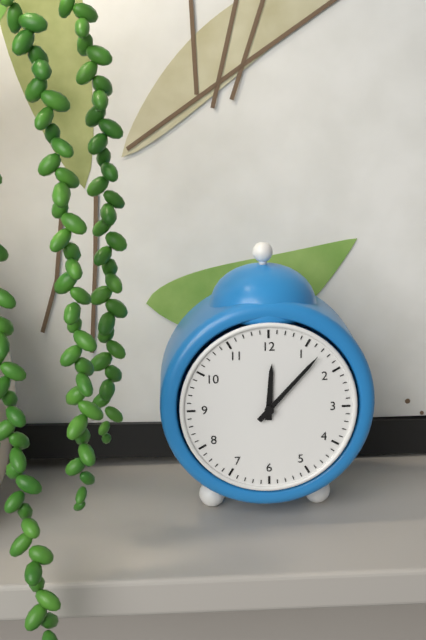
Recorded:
12 h 07 min
